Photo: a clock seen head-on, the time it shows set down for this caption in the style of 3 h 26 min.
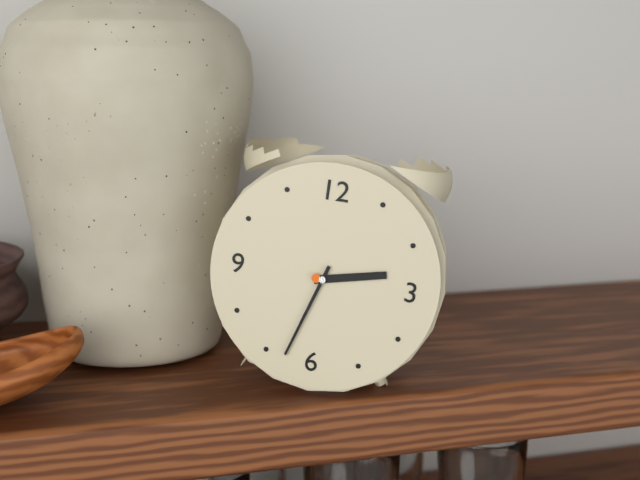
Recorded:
2 h 33 min
